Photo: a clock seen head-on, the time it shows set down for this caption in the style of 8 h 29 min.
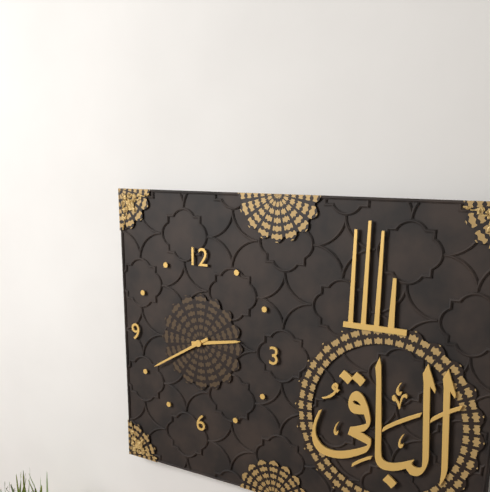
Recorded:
2 h 40 min
